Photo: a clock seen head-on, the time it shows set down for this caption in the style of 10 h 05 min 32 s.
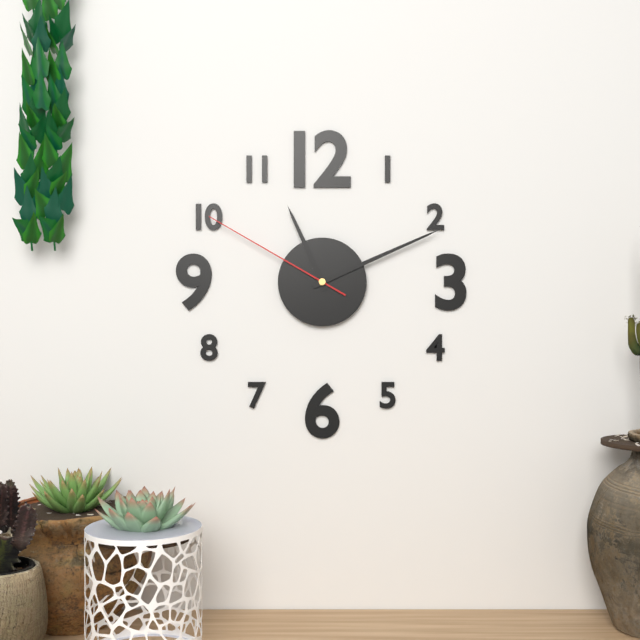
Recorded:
11 h 11 min 50 s
